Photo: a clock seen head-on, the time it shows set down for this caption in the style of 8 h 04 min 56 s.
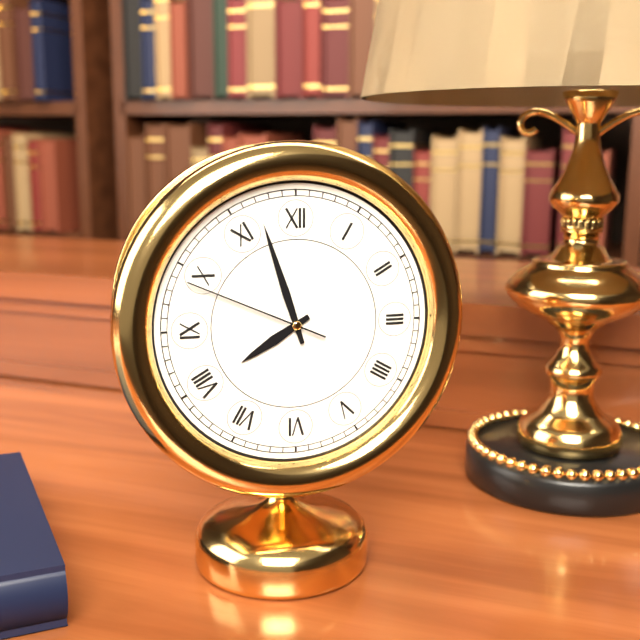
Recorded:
7 h 57 min 49 s
